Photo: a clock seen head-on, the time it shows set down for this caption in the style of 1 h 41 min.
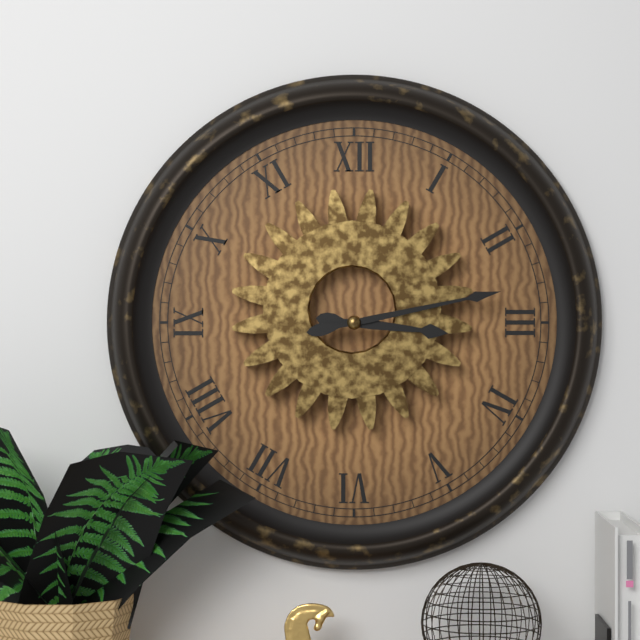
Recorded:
3 h 13 min
